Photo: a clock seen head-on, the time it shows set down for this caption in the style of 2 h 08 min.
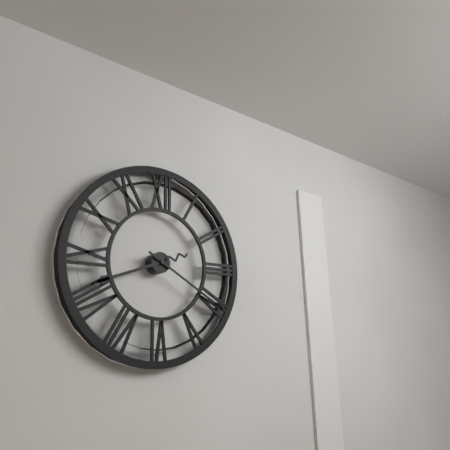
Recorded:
8 h 20 min
